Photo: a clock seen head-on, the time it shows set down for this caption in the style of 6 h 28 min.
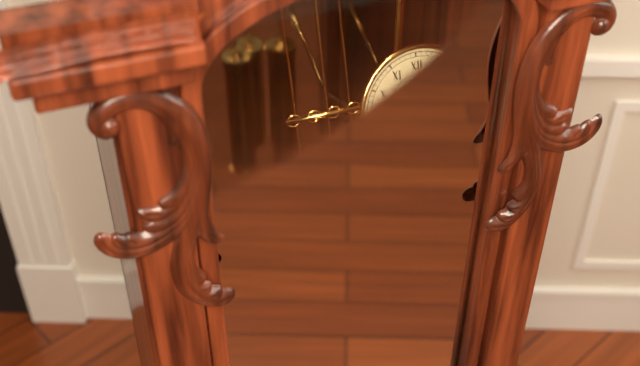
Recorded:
7 h 08 min
